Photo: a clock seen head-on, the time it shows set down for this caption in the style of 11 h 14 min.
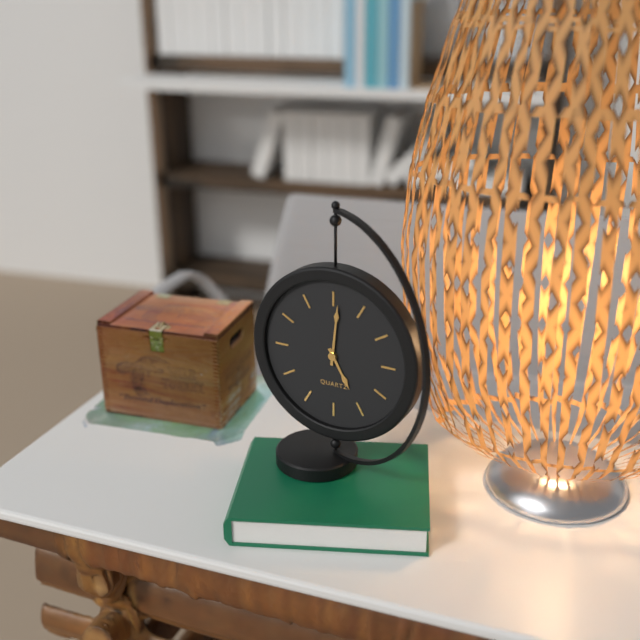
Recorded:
5 h 01 min
